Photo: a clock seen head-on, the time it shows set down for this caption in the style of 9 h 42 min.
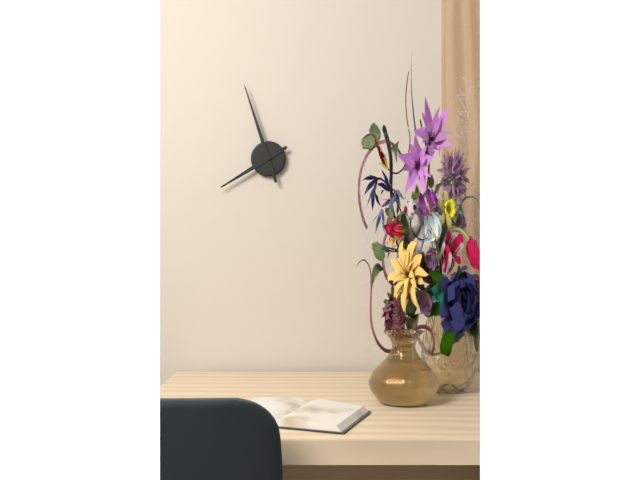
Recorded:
7 h 57 min
